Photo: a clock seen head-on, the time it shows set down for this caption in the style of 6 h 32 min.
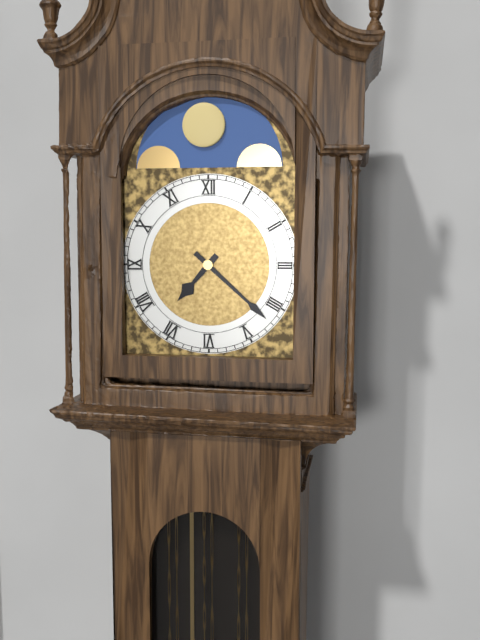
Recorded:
7 h 22 min
